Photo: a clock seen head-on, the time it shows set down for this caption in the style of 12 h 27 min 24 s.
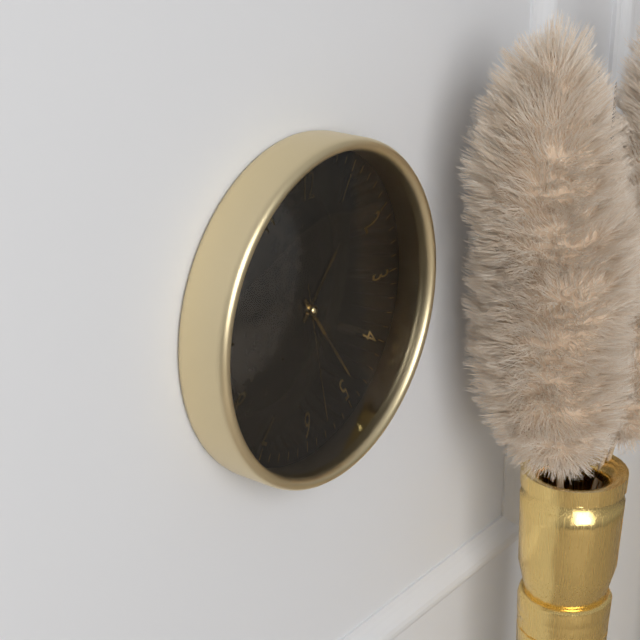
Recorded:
1 h 24 min 28 s
